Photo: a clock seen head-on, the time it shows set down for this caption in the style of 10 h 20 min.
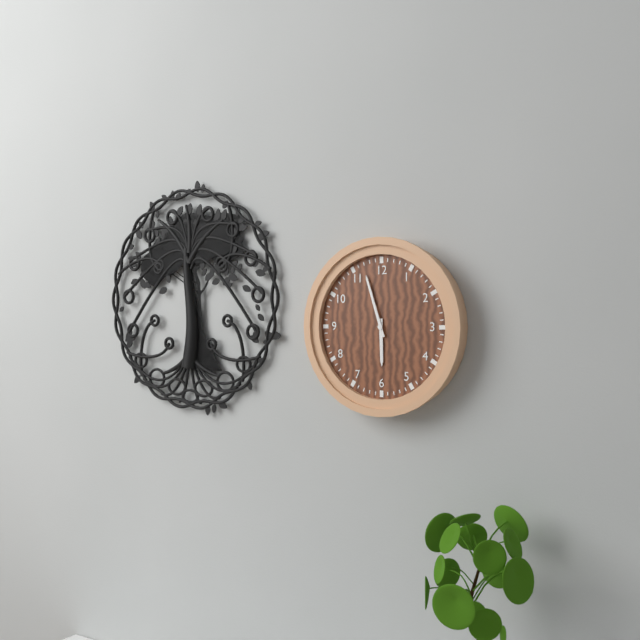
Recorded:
5 h 57 min
